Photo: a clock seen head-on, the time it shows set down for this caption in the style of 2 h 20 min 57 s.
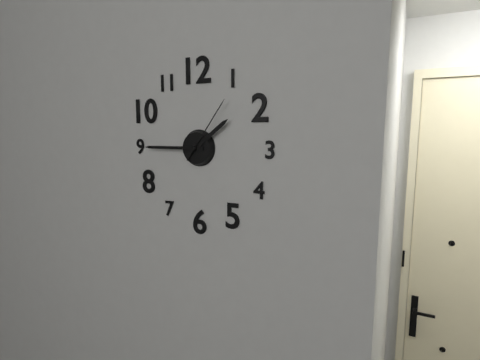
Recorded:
1 h 45 min 06 s
